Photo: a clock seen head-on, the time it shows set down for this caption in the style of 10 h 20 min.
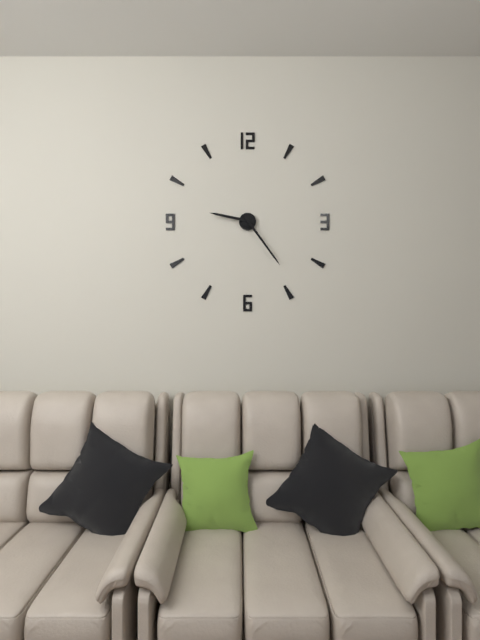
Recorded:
9 h 24 min
